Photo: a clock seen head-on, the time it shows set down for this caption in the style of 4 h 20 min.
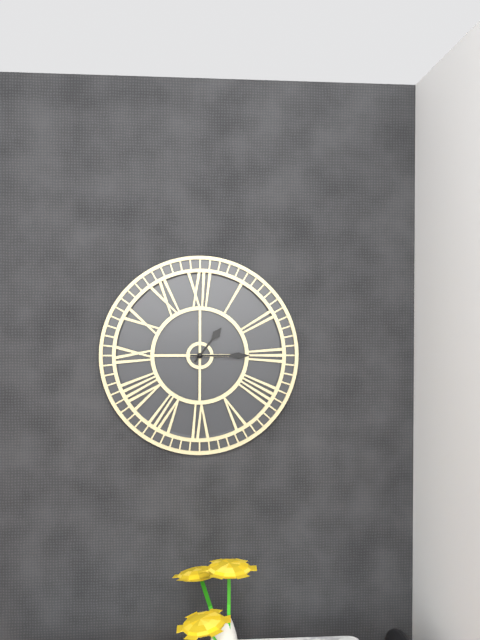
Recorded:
1 h 15 min
